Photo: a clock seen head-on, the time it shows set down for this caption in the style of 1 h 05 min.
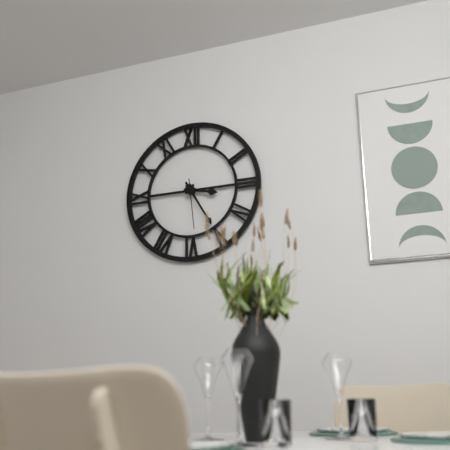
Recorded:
3 h 25 min
